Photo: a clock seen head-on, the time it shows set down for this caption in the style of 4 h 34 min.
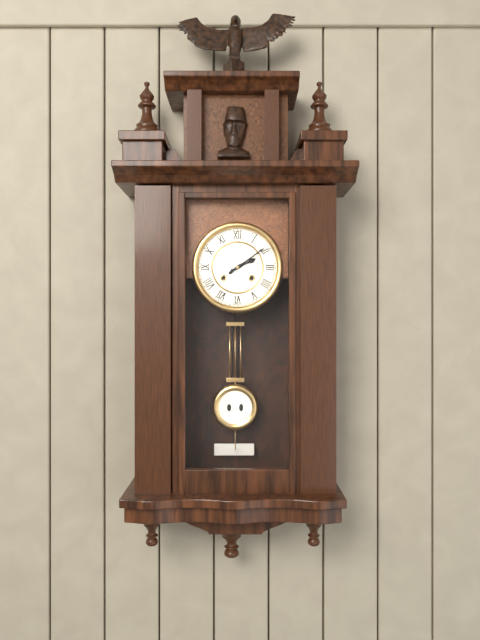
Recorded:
2 h 09 min
